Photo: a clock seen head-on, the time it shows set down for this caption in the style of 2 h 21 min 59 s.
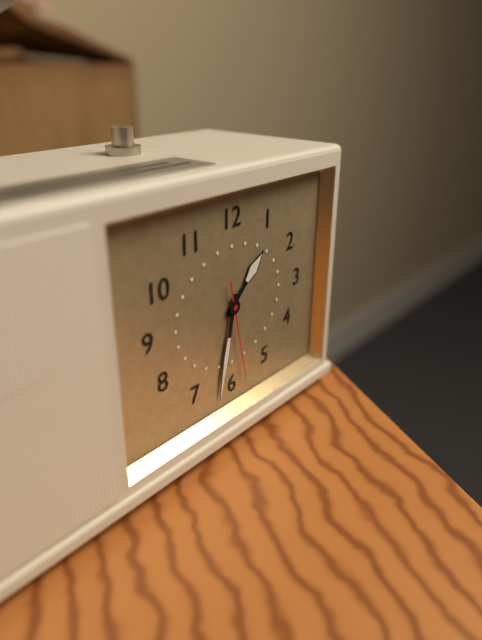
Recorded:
1 h 32 min 28 s
